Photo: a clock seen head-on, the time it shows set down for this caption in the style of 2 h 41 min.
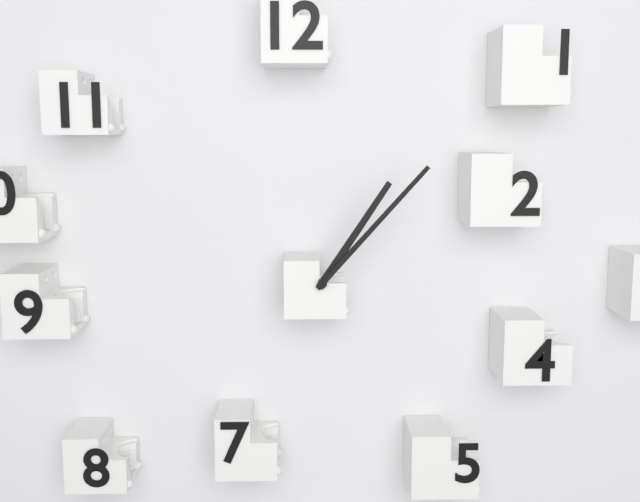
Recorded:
1 h 07 min
